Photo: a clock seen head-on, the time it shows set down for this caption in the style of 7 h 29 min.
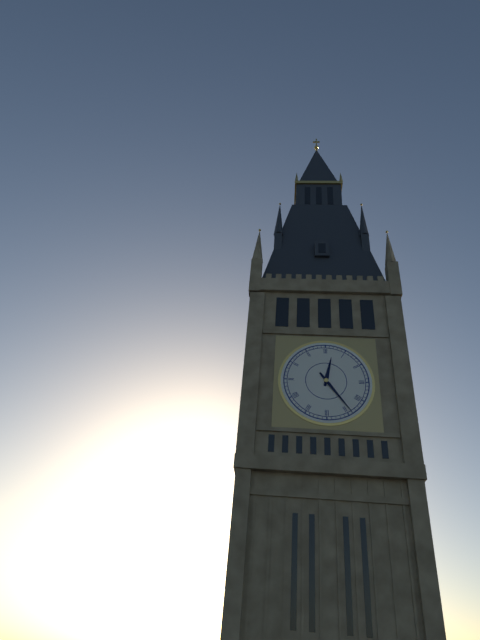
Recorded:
12 h 24 min
